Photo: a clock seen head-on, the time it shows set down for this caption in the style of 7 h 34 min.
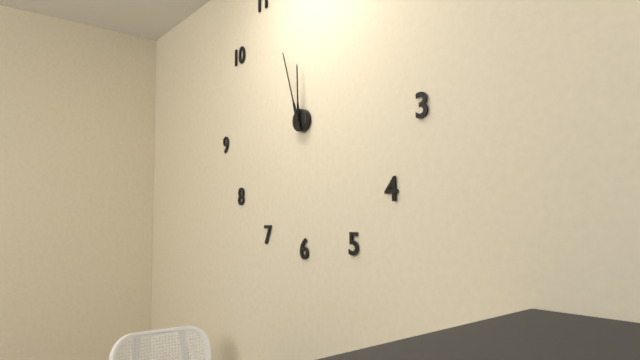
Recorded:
11 h 57 min
